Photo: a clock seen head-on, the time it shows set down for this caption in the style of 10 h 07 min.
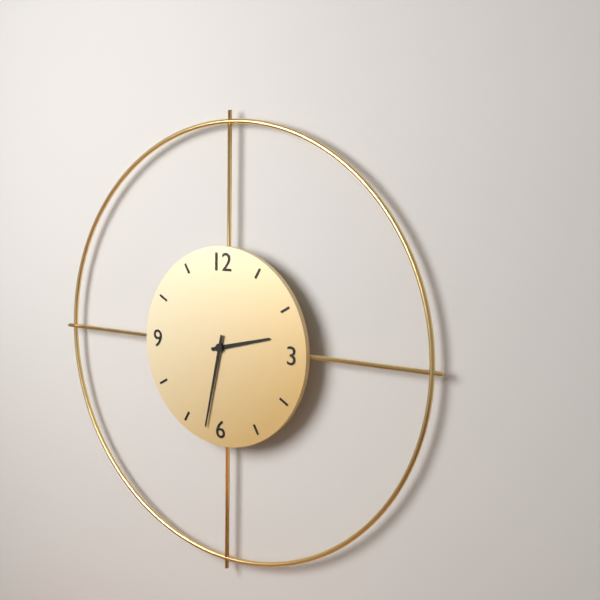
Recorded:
2 h 32 min
